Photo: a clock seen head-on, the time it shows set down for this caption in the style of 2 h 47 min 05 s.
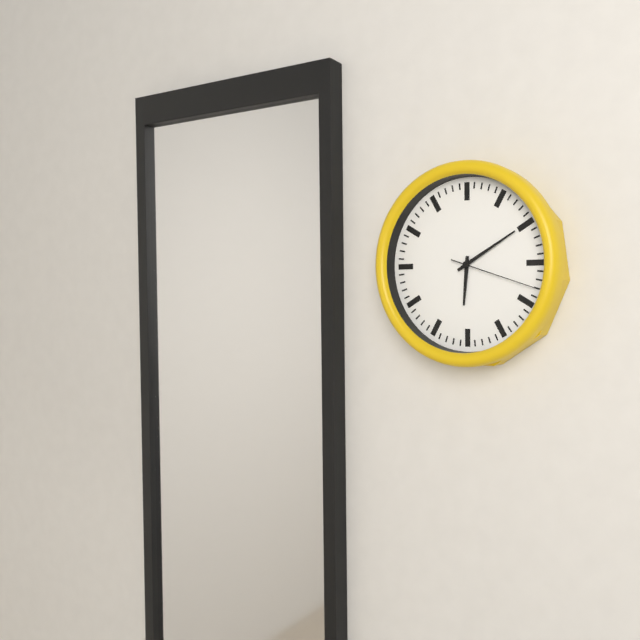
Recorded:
6 h 10 min 18 s
